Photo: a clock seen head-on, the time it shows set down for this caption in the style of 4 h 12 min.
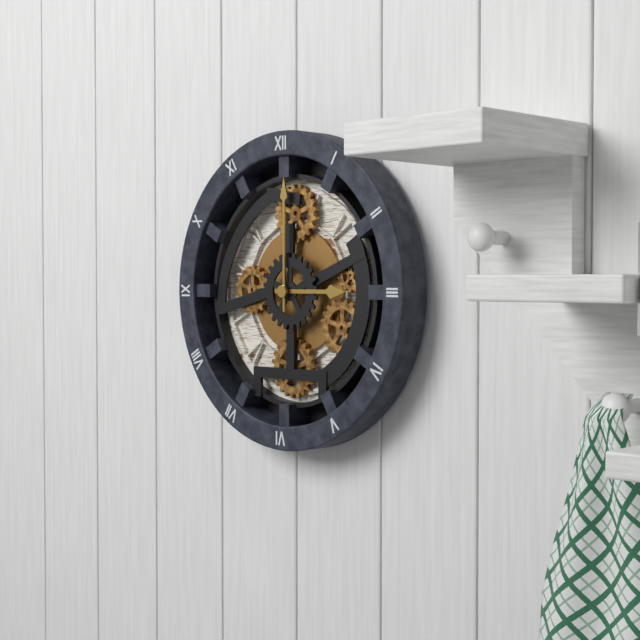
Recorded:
3 h 00 min
